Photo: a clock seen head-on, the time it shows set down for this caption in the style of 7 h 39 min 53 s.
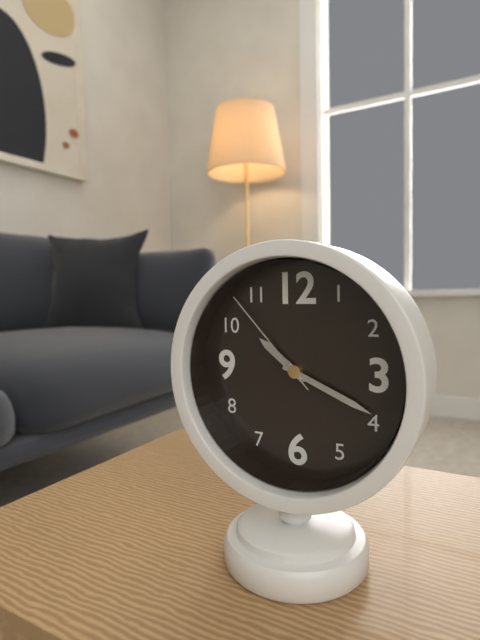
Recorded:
10 h 19 min 53 s
